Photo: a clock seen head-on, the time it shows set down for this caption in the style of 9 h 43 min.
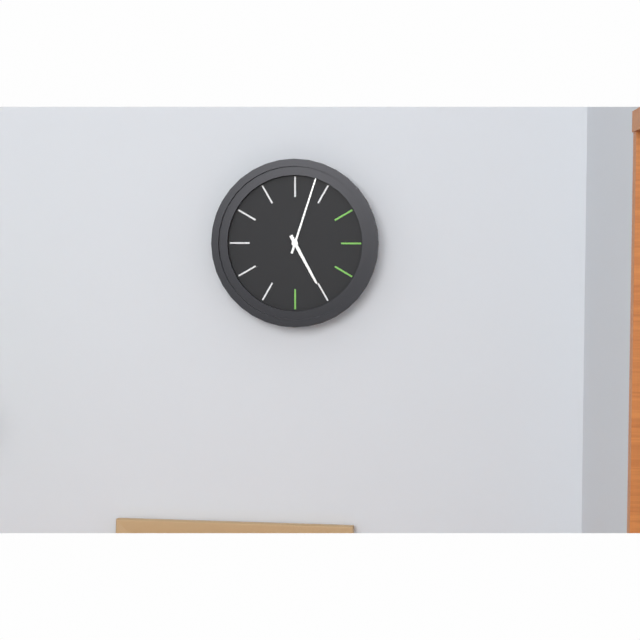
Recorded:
5 h 03 min
